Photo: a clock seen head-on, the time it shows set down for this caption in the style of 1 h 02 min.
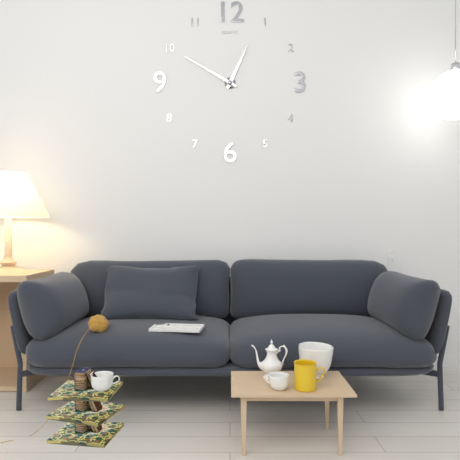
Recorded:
12 h 50 min
